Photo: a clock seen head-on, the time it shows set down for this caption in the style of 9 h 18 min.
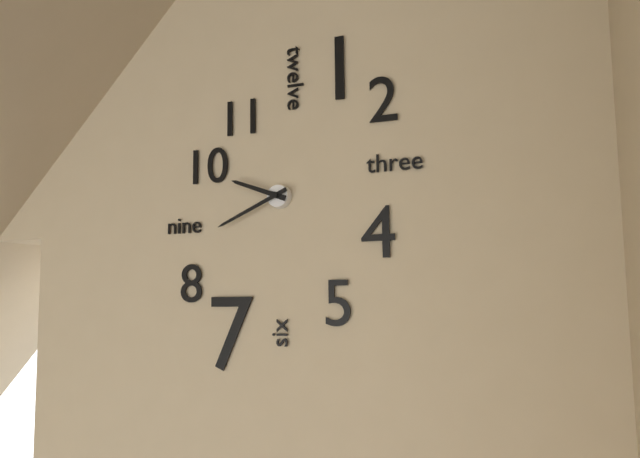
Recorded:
9 h 41 min
